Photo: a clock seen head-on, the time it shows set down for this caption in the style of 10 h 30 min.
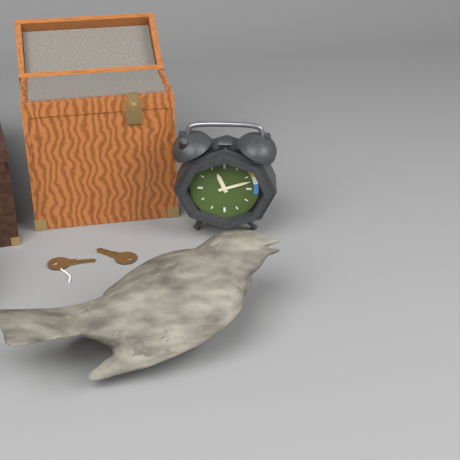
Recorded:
11 h 12 min
